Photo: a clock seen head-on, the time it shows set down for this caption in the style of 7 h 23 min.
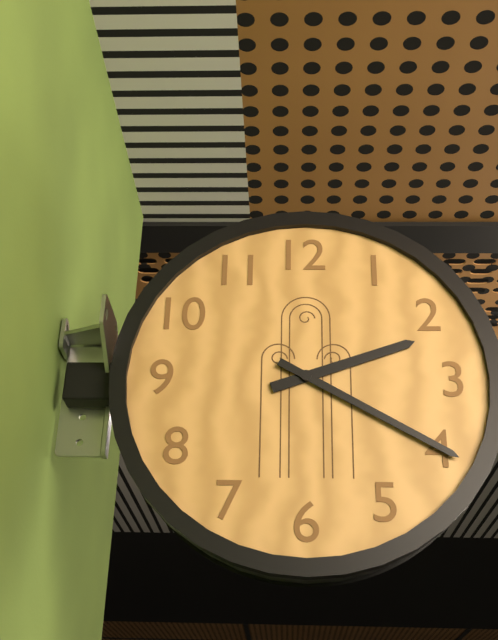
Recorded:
2 h 20 min
